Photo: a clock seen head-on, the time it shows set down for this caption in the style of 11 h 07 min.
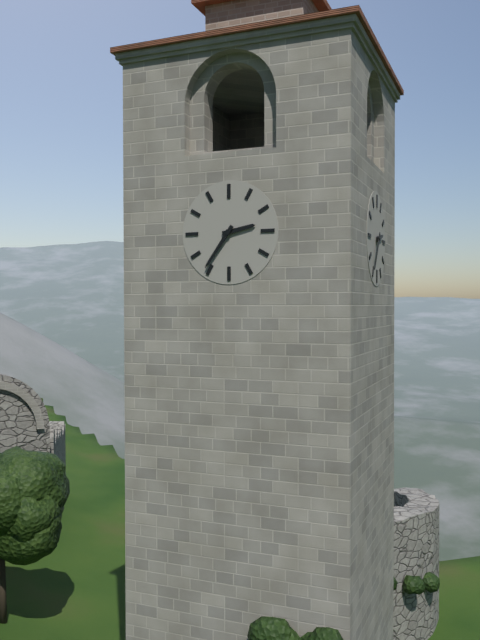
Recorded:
2 h 36 min
